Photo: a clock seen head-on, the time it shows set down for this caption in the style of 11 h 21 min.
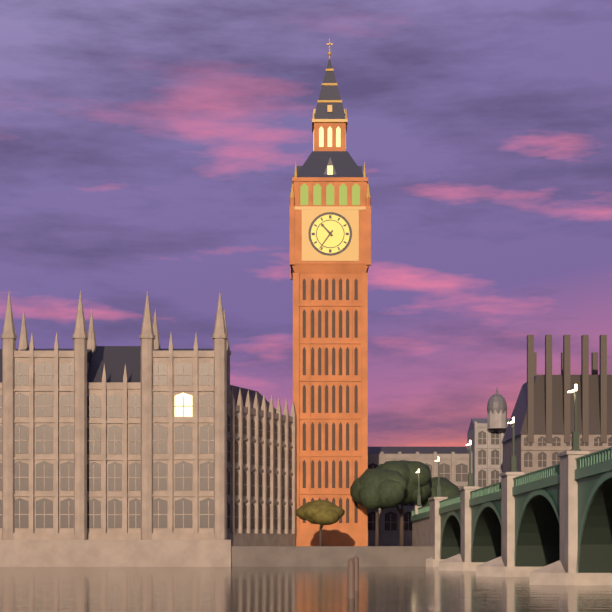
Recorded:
10 h 36 min
